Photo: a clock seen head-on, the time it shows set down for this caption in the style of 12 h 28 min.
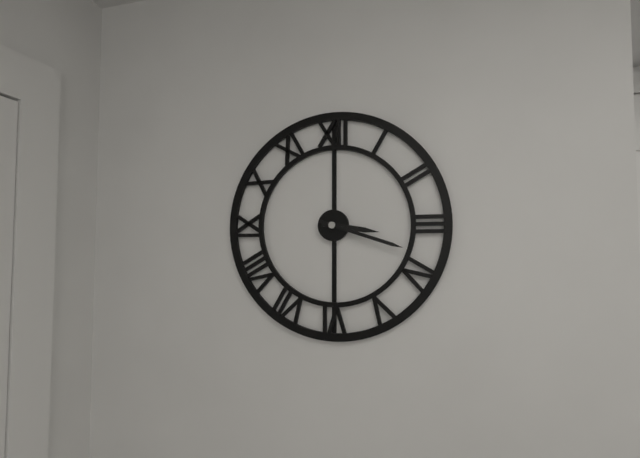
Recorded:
3 h 18 min
